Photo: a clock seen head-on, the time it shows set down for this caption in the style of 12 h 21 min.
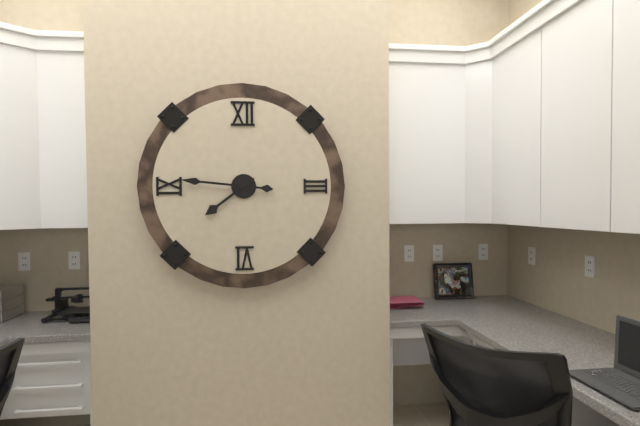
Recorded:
7 h 46 min
